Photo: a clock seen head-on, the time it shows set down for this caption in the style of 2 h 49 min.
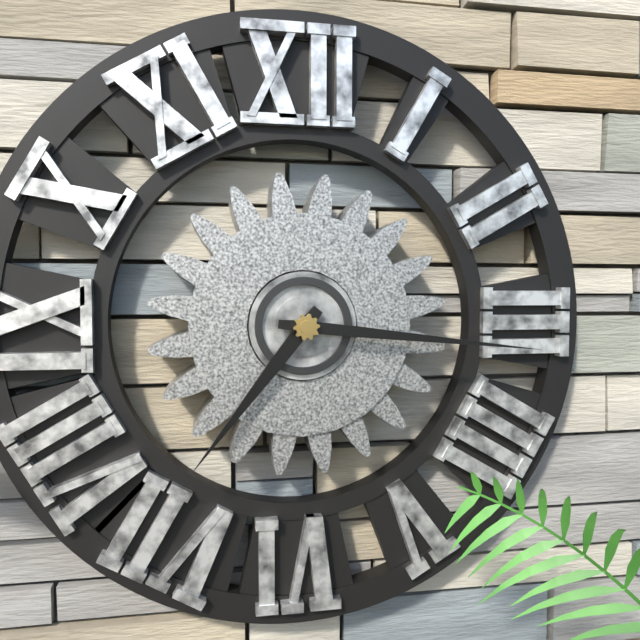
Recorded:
7 h 16 min
